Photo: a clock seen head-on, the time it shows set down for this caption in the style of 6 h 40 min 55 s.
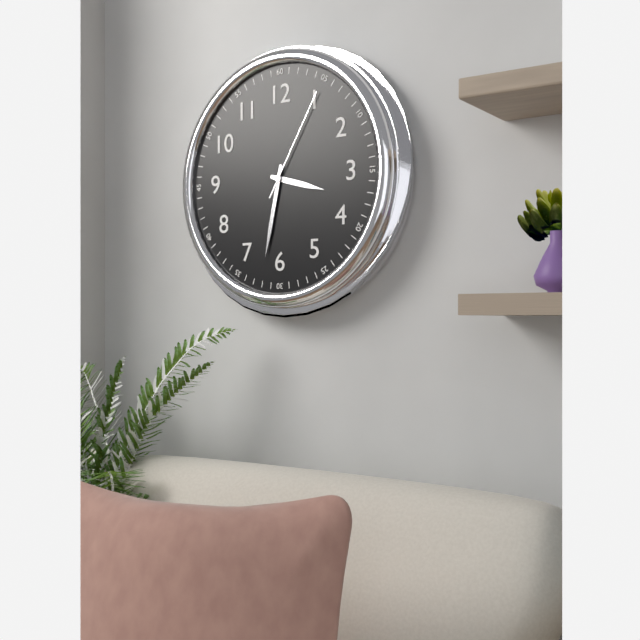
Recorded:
3 h 32 min 05 s
